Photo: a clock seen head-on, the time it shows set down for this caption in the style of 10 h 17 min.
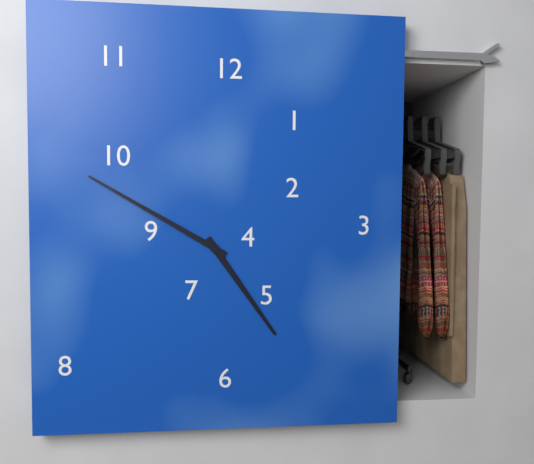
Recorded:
4 h 50 min
